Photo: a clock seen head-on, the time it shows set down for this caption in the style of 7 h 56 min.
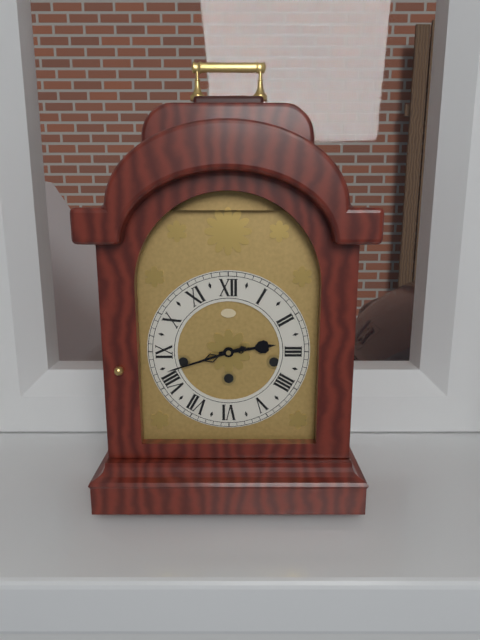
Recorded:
2 h 42 min
